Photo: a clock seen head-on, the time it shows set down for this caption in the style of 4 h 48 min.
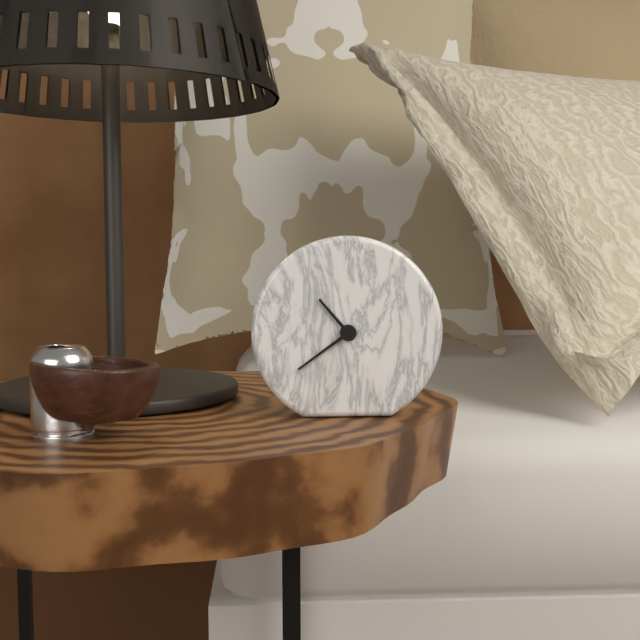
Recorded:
10 h 39 min
